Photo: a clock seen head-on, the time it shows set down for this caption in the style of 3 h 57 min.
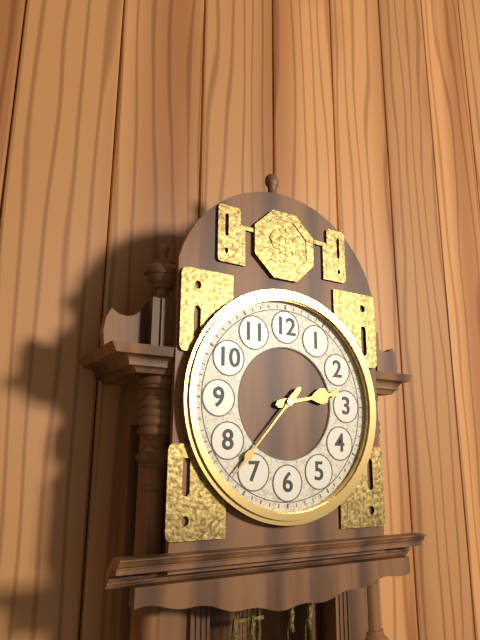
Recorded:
2 h 37 min
